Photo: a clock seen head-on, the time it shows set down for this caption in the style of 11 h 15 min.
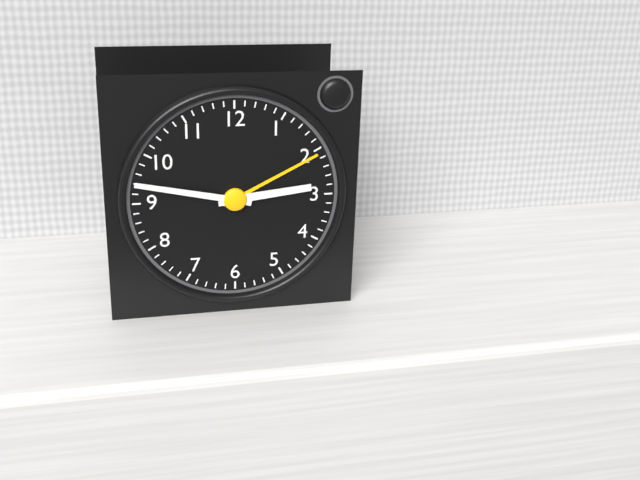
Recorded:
2 h 47 min
